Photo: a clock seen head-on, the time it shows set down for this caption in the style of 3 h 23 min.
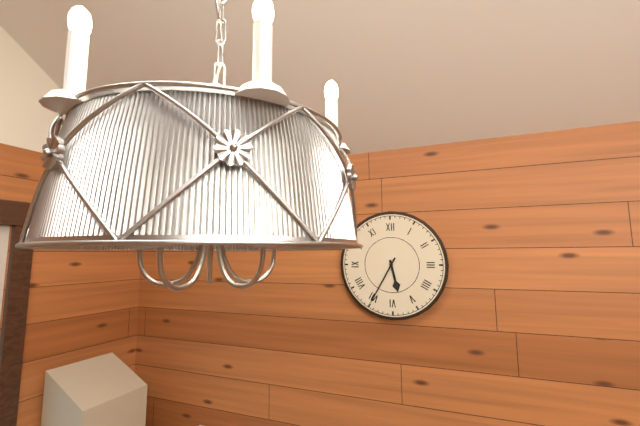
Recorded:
5 h 35 min
